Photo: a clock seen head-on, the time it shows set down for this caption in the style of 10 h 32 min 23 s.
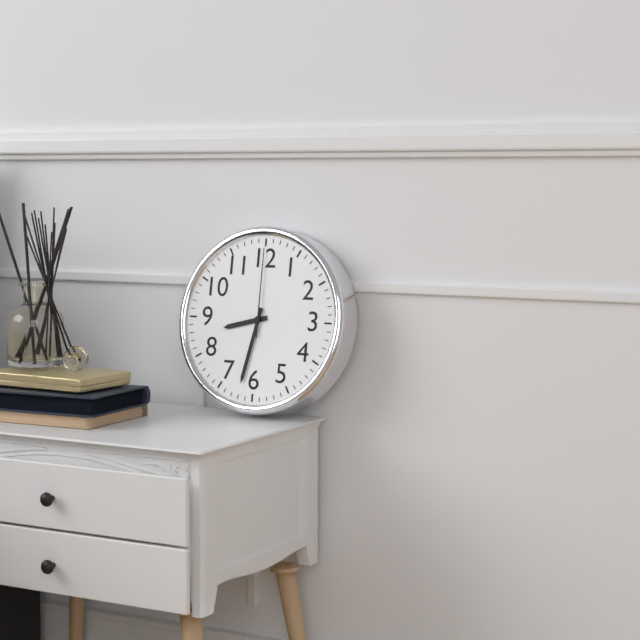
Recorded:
8 h 32 min 00 s
